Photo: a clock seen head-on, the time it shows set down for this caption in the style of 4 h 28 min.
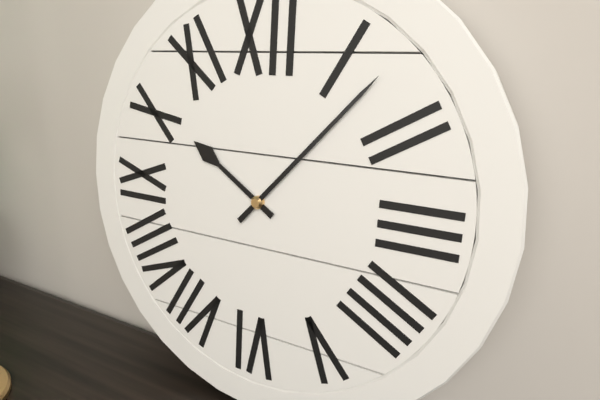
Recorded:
10 h 07 min
